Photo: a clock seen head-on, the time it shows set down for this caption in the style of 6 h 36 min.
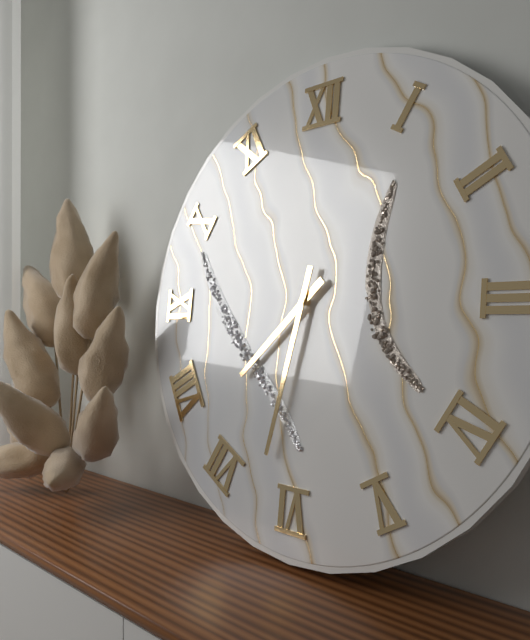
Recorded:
7 h 32 min
